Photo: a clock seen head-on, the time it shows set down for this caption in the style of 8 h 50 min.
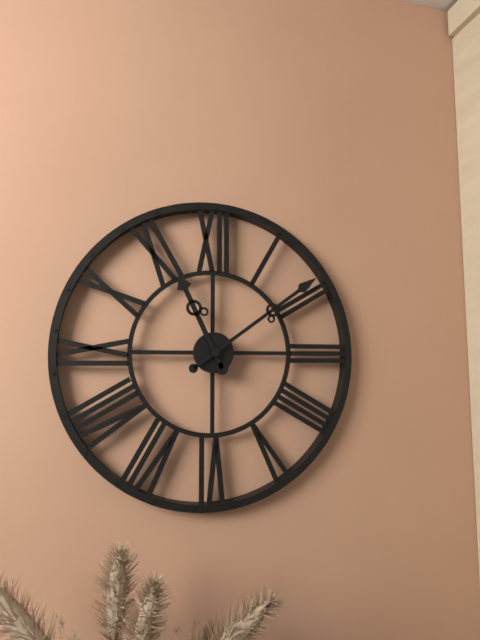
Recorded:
11 h 09 min
